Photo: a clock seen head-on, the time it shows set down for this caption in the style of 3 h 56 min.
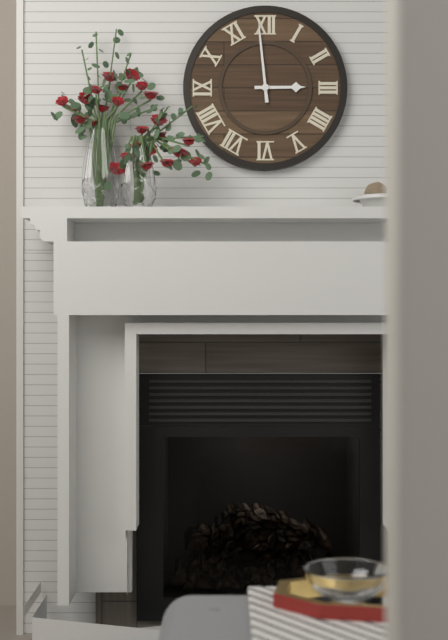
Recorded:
2 h 59 min
